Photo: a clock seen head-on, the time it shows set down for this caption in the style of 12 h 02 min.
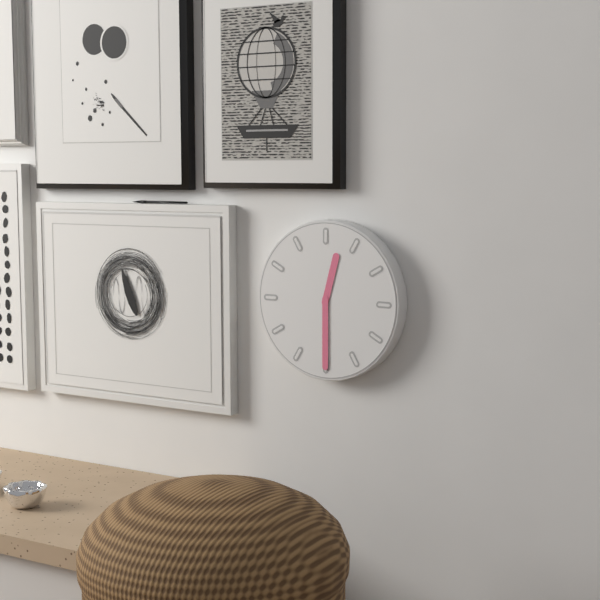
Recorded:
12 h 30 min
